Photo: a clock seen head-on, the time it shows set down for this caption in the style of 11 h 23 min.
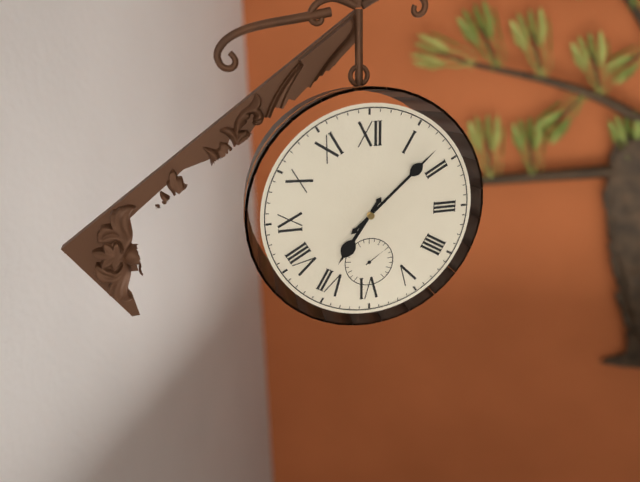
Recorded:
7 h 08 min
